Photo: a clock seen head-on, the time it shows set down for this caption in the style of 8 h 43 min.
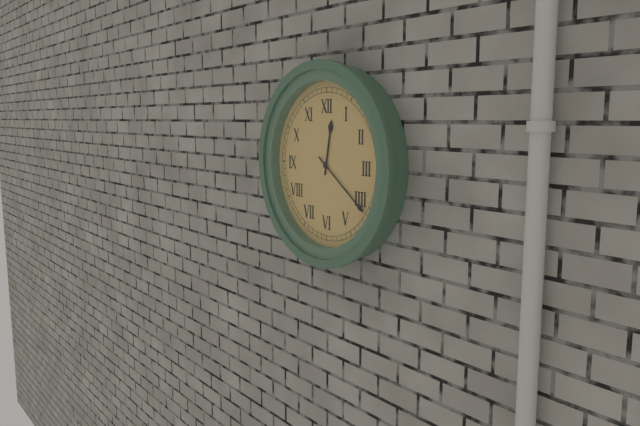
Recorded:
12 h 21 min
